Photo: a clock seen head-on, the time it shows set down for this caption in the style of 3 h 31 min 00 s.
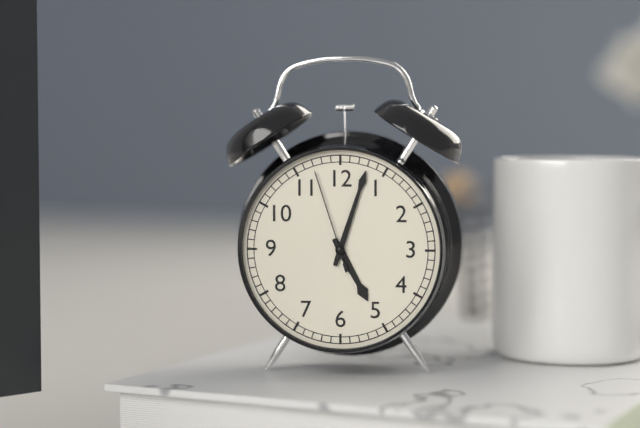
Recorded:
5 h 03 min 57 s
